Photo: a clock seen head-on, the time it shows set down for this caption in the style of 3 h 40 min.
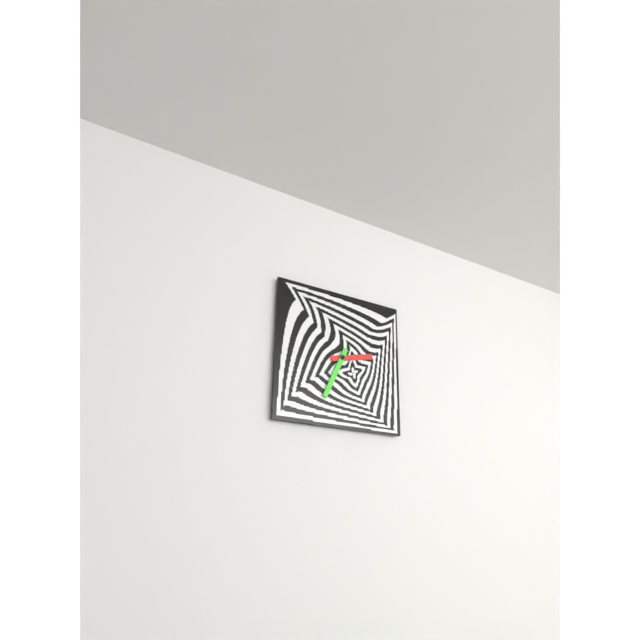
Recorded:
2 h 34 min
